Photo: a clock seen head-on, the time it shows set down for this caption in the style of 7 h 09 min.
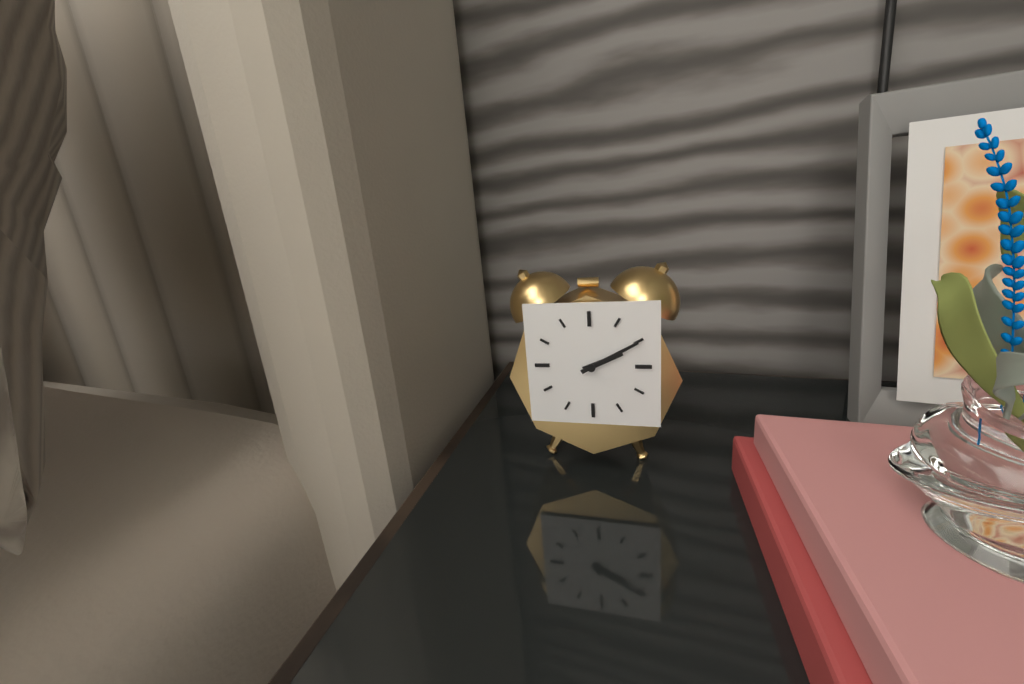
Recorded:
2 h 10 min
